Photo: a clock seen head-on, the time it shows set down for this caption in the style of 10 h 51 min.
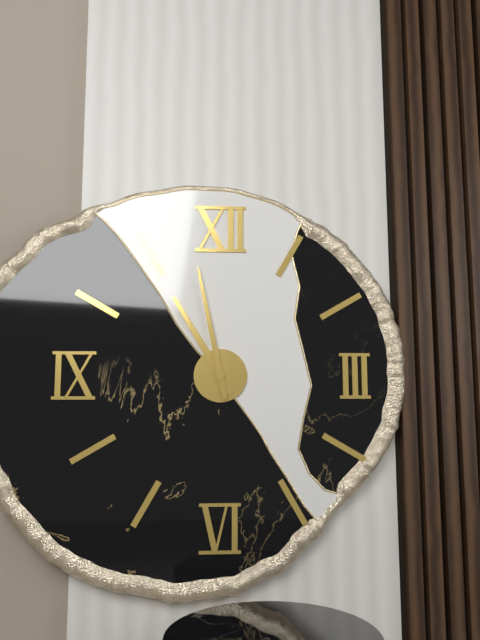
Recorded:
10 h 58 min
